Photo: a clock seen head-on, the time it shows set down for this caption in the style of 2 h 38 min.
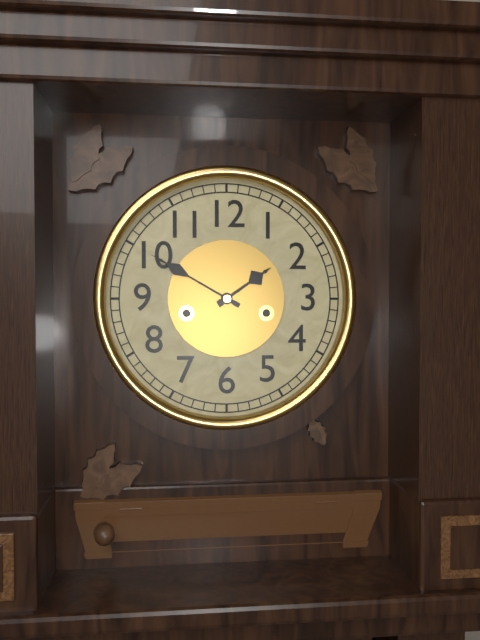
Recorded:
1 h 50 min
